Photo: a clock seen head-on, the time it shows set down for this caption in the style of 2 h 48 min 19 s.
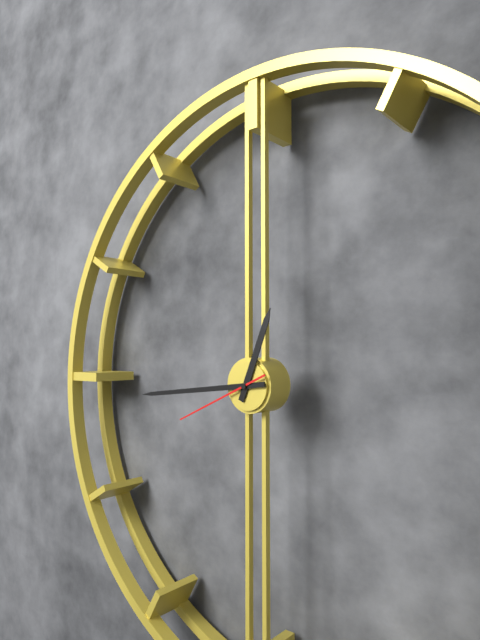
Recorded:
12 h 44 min 41 s
